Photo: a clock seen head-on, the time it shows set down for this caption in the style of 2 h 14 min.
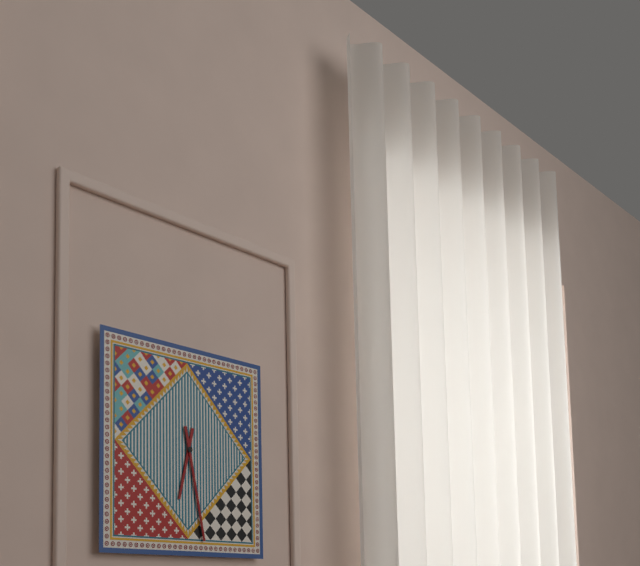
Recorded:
6 h 28 min
